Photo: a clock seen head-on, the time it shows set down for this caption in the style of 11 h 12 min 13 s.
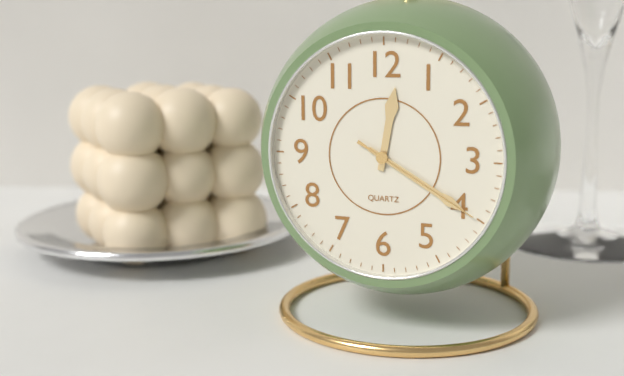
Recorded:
12 h 20 min 20 s
